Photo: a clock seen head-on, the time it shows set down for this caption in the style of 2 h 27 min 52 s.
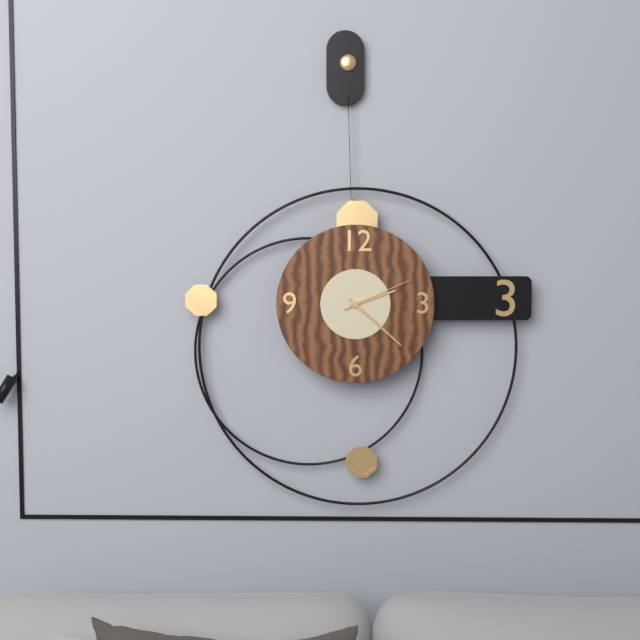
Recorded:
2 h 22 min 11 s
